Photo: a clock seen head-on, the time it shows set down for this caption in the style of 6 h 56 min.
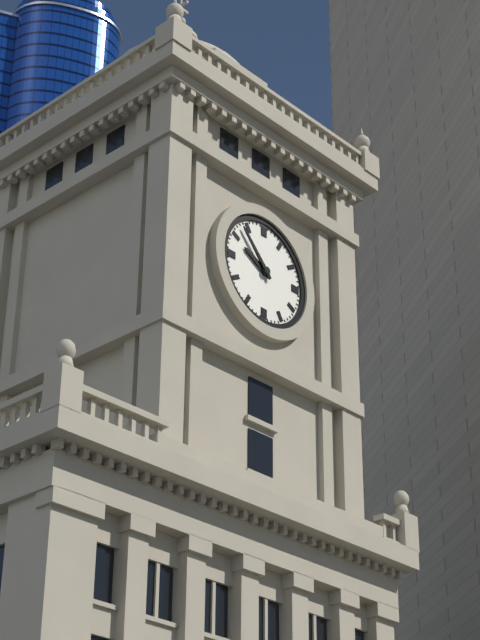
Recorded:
9 h 53 min
